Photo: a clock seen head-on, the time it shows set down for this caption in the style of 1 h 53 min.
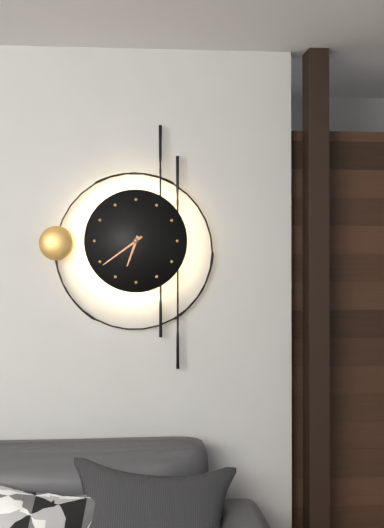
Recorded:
6 h 39 min
